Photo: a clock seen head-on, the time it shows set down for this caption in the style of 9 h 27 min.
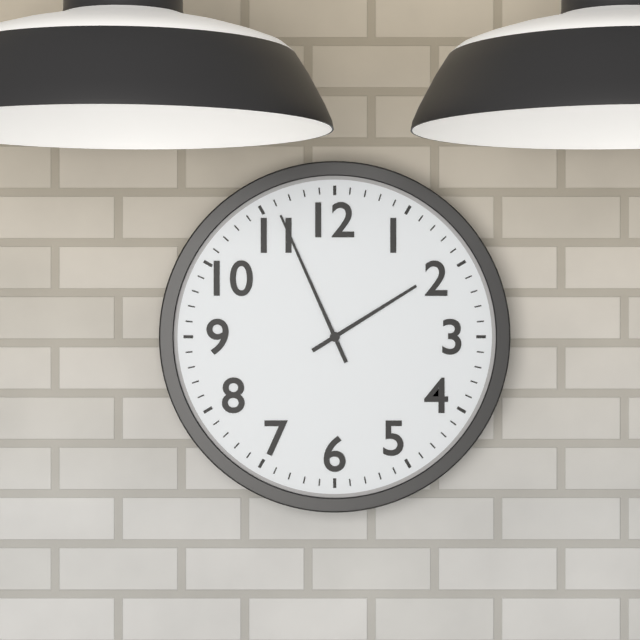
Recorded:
1 h 56 min
